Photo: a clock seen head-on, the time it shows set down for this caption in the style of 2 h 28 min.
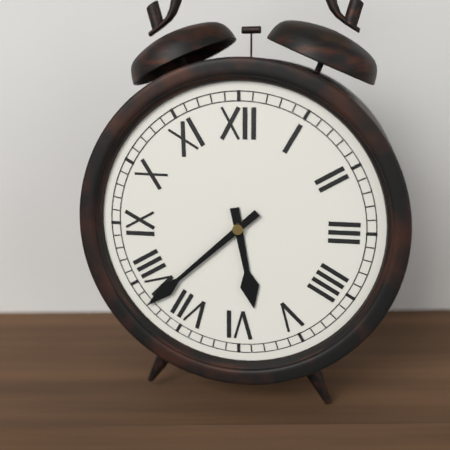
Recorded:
5 h 38 min
